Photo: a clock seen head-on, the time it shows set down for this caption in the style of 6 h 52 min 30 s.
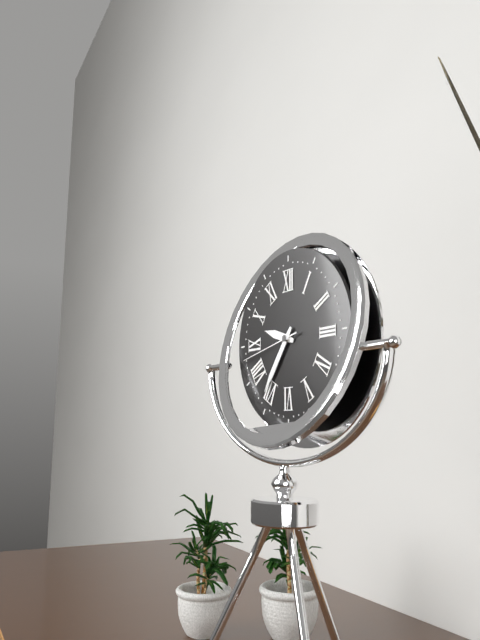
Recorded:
9 h 36 min 43 s
